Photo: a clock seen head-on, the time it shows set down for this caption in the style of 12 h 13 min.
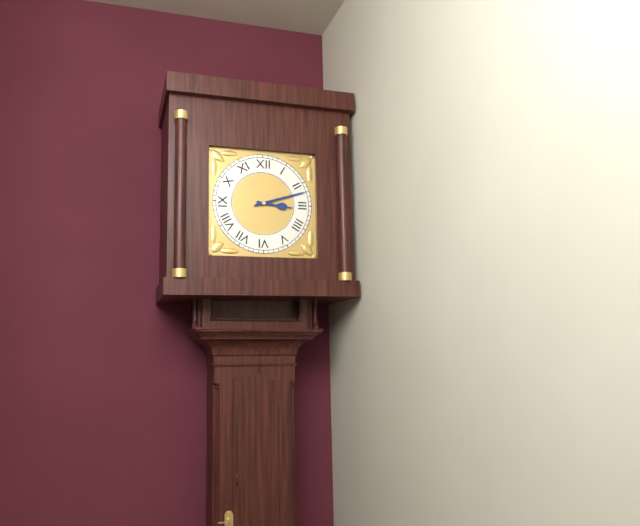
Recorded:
3 h 12 min
